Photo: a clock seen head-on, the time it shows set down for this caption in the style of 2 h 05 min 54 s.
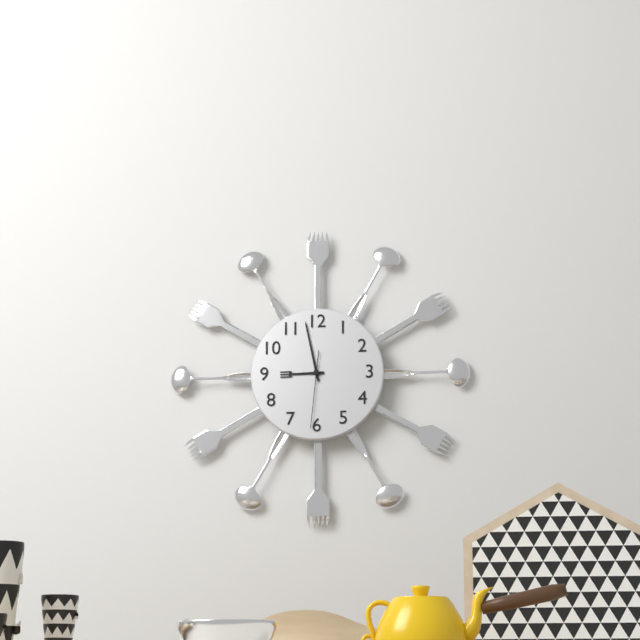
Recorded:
8 h 58 min 31 s
